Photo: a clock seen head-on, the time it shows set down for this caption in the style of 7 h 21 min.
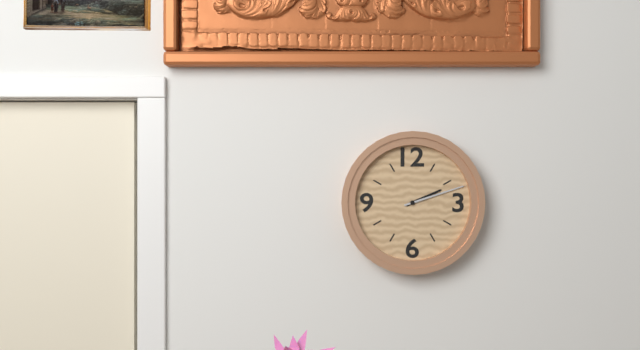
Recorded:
2 h 12 min
